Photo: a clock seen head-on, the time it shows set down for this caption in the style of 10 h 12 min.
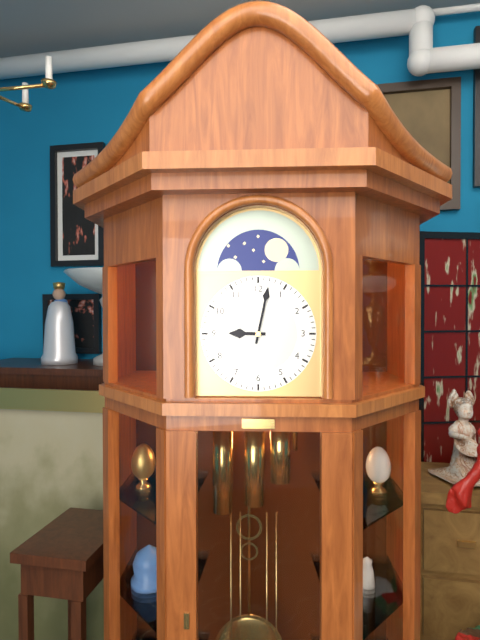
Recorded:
9 h 02 min
